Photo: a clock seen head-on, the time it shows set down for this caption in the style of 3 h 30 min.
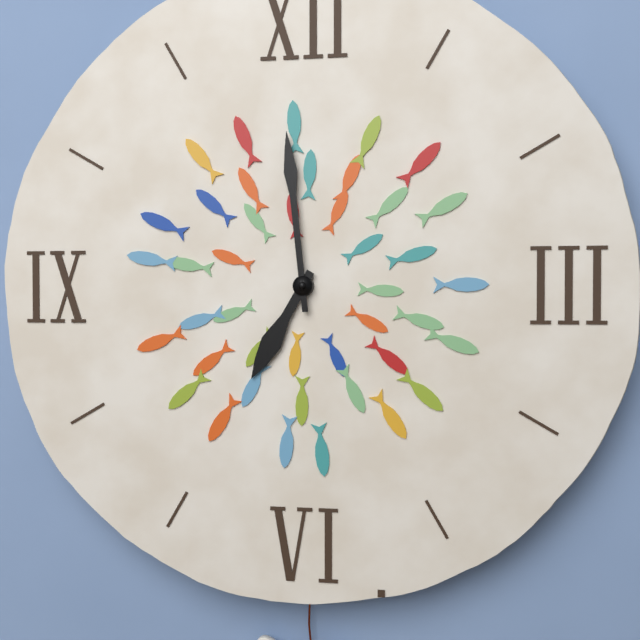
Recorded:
6 h 59 min
